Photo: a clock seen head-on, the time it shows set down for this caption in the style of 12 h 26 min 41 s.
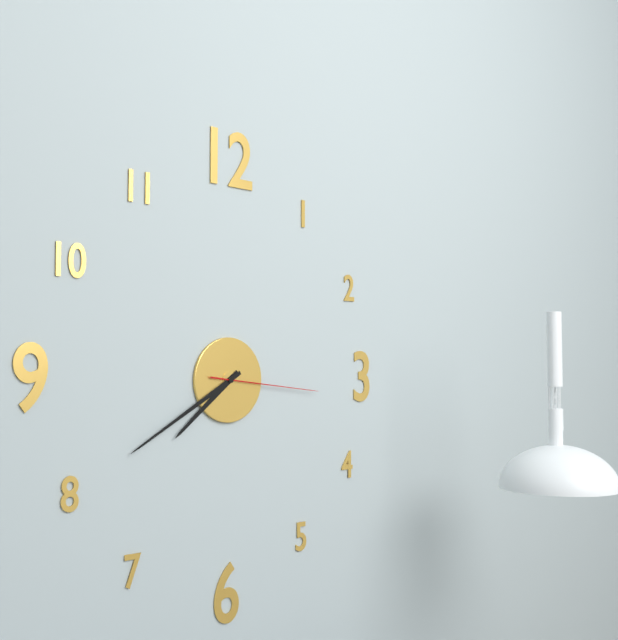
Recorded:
7 h 40 min 16 s
